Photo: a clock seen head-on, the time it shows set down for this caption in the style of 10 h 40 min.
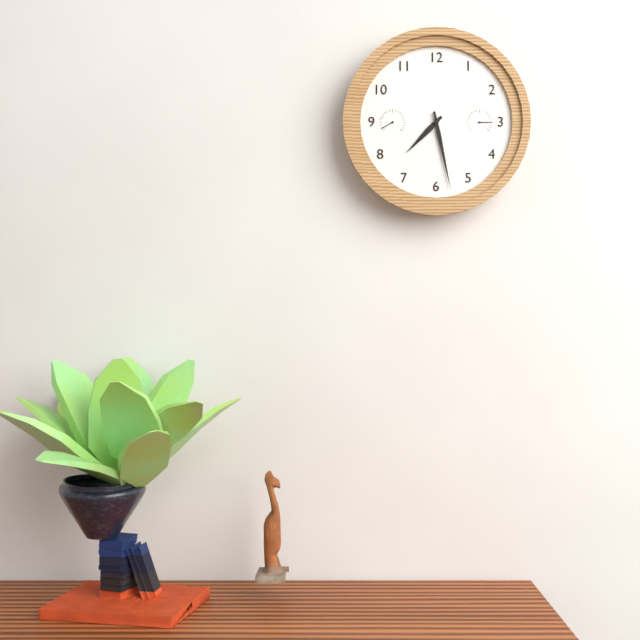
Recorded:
7 h 28 min
